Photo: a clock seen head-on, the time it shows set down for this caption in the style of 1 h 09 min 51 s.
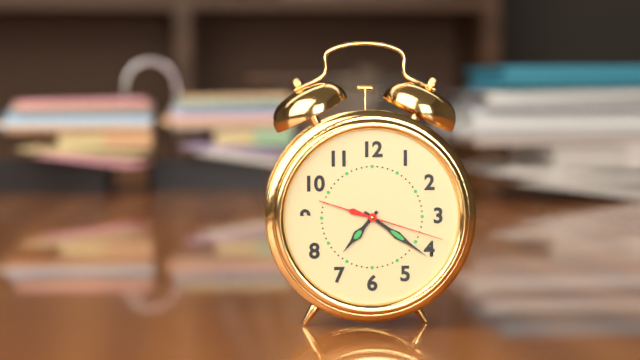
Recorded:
7 h 21 min 18 s
